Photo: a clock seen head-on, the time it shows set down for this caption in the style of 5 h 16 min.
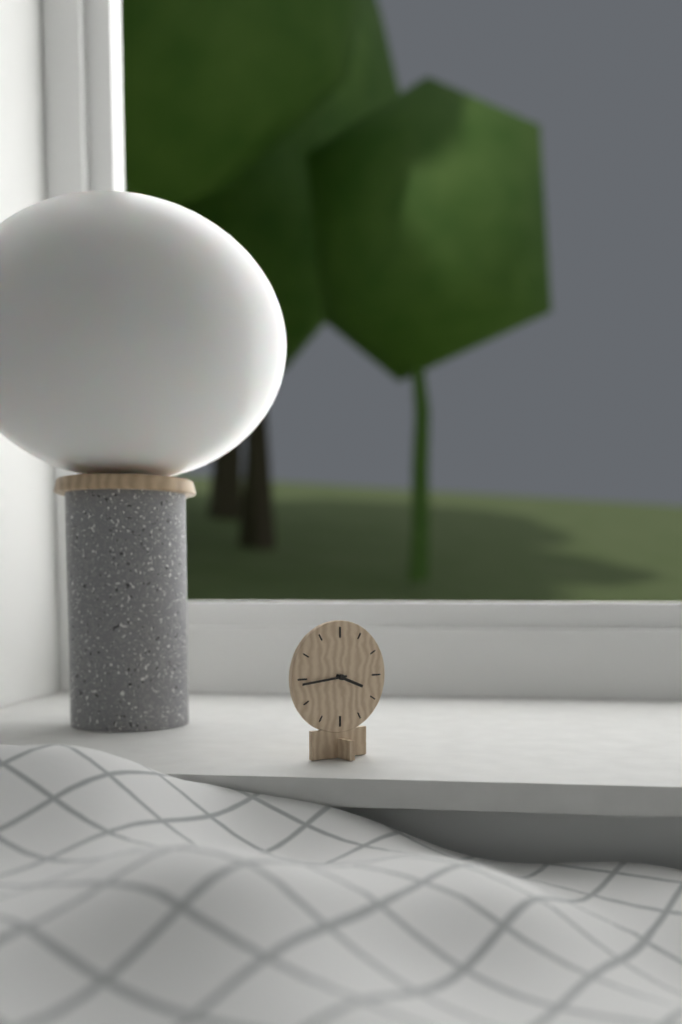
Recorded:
3 h 44 min
